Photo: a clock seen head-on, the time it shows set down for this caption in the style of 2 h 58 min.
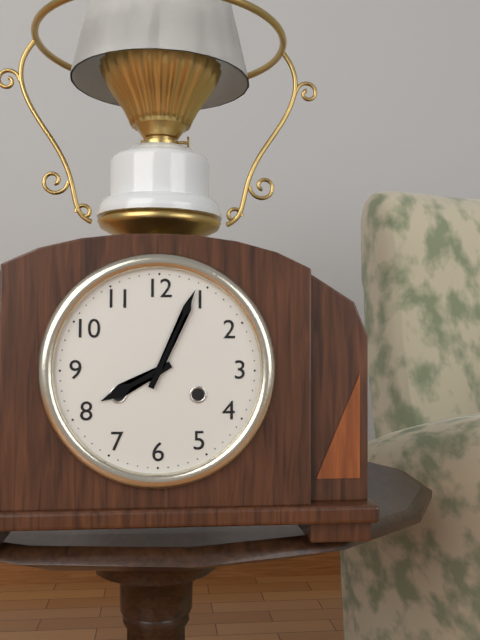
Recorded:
8 h 04 min
